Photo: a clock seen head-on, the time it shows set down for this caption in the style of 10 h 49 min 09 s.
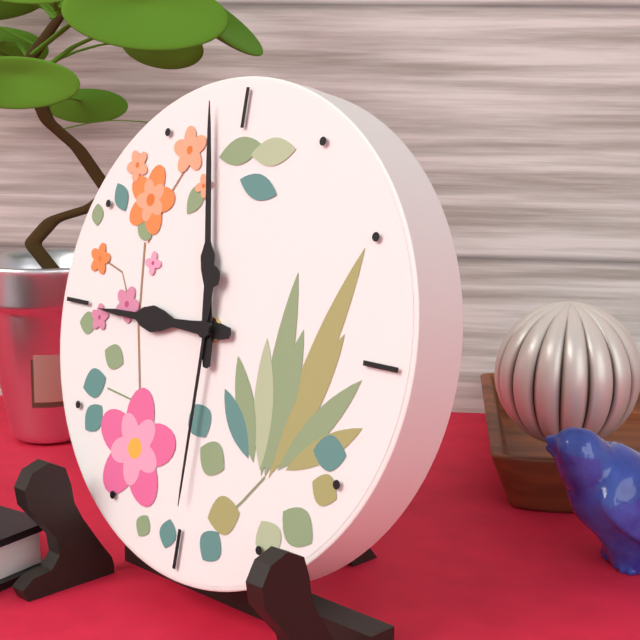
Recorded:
8 h 58 min 30 s
